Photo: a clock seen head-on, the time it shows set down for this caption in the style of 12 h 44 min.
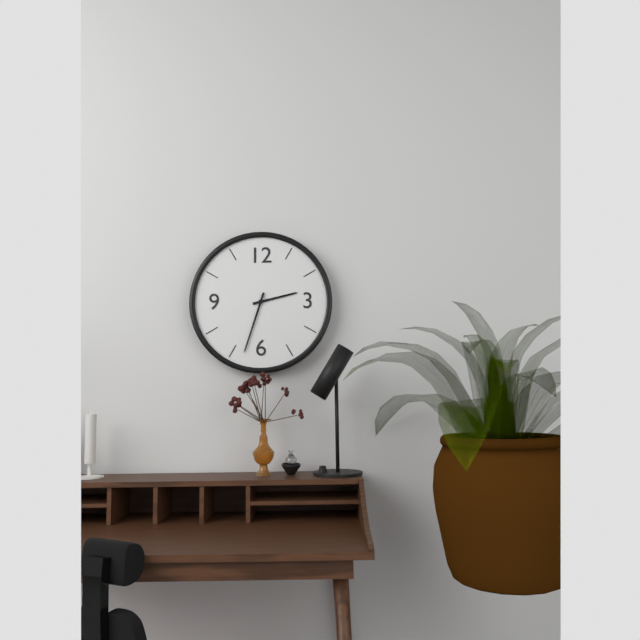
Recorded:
2 h 33 min
